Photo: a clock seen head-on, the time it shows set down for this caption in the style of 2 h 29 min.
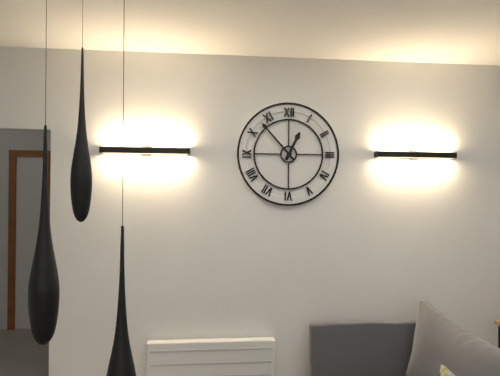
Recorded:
12 h 53 min
